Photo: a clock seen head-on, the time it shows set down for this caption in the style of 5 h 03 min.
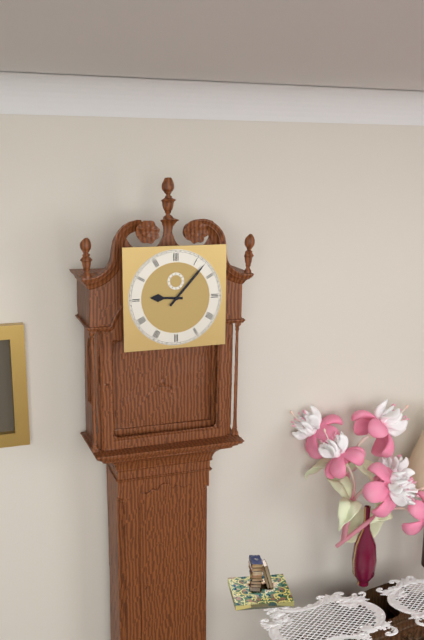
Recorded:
9 h 07 min
